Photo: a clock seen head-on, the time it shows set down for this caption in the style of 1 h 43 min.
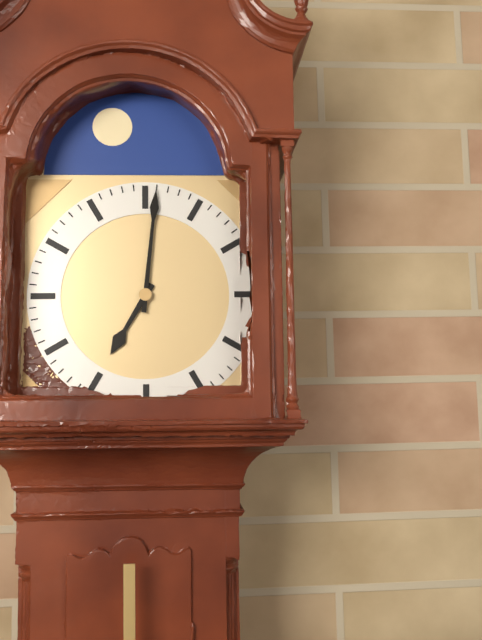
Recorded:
7 h 01 min
